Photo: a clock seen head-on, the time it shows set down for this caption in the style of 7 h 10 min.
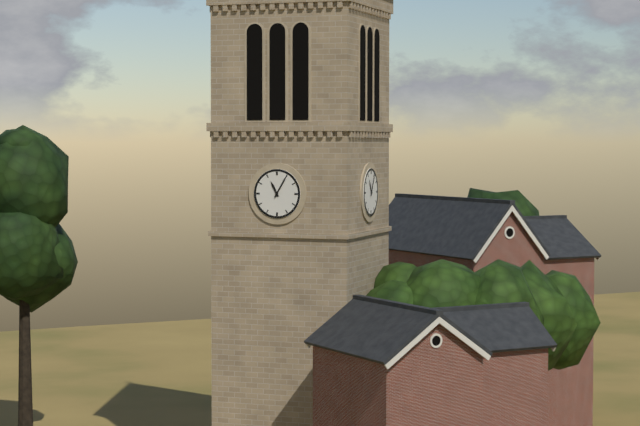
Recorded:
11 h 05 min
